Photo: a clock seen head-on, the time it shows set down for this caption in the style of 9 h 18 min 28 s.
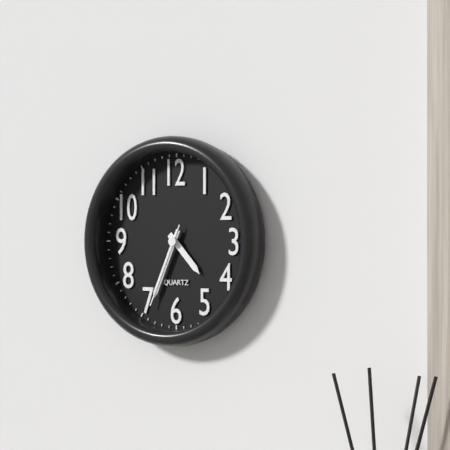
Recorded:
4 h 34 min 34 s
